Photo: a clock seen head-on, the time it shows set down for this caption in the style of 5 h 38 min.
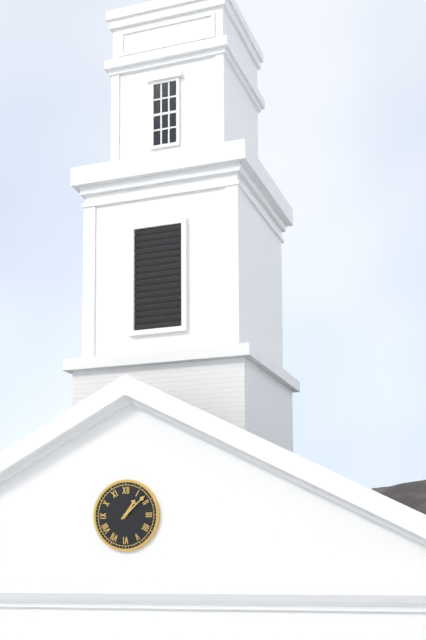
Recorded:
1 h 08 min
